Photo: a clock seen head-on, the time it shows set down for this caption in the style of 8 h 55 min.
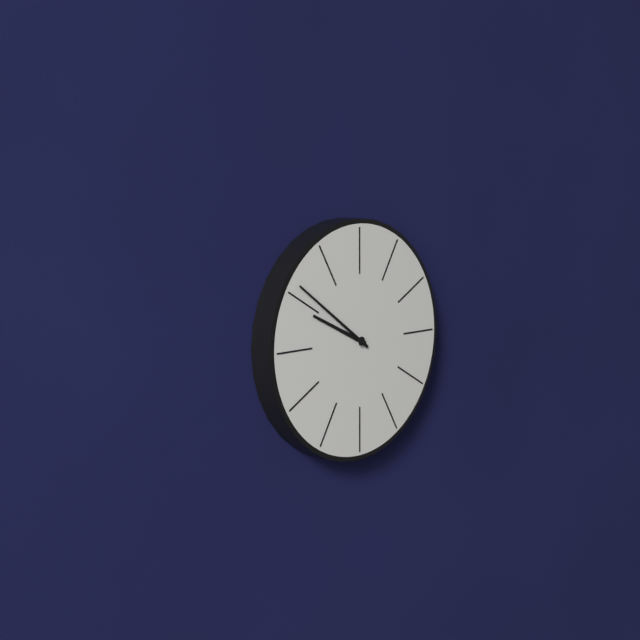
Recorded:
9 h 51 min
